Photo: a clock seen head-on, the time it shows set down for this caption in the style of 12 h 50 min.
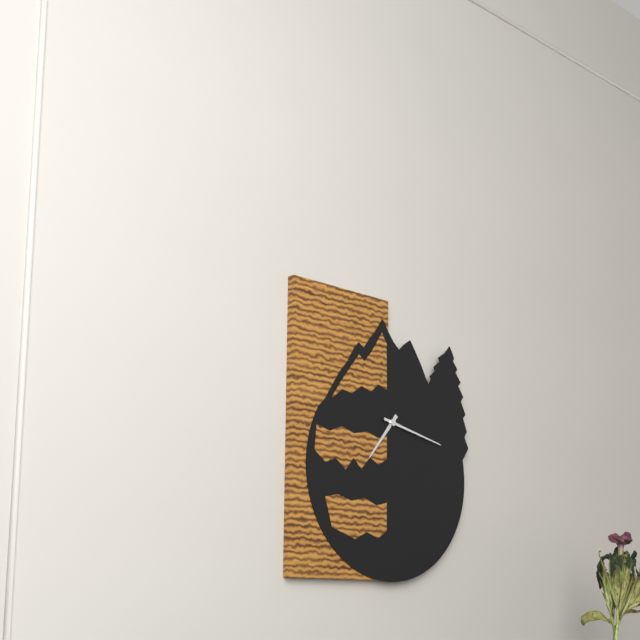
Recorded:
7 h 17 min
